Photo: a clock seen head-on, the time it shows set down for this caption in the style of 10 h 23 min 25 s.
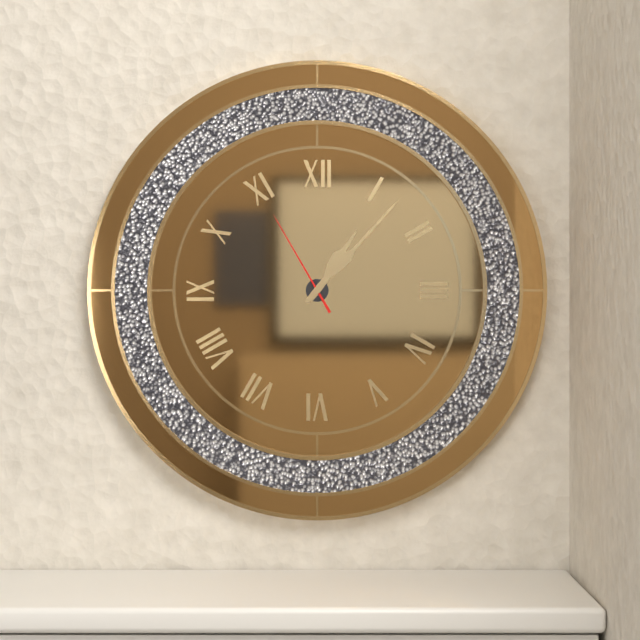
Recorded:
1 h 07 min 55 s
